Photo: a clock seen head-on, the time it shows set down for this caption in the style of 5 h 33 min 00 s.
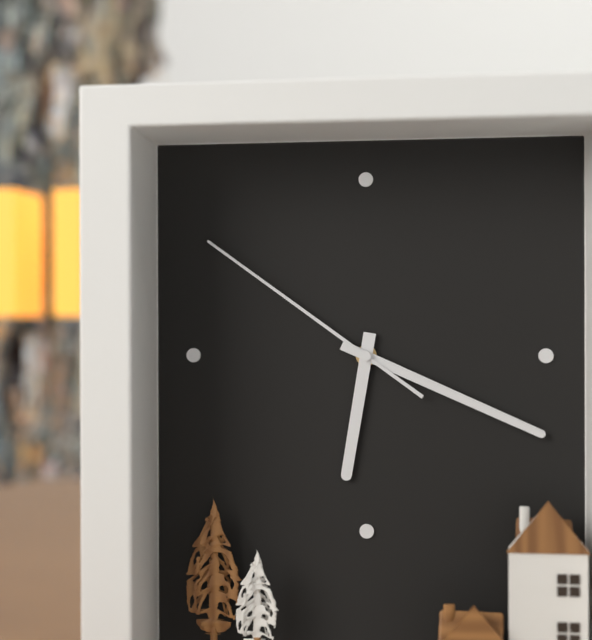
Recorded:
6 h 19 min 51 s
